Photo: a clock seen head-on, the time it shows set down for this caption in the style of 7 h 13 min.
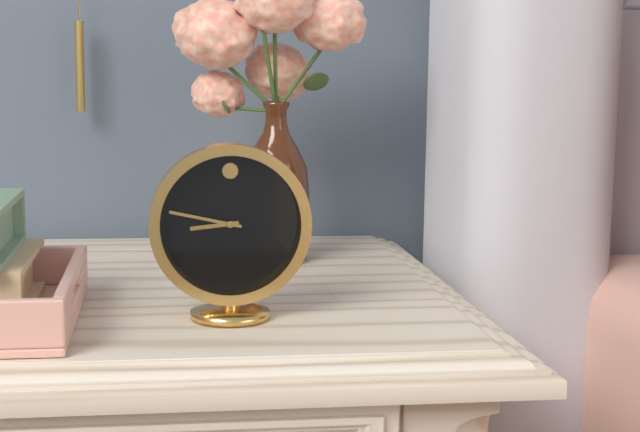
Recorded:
8 h 47 min
